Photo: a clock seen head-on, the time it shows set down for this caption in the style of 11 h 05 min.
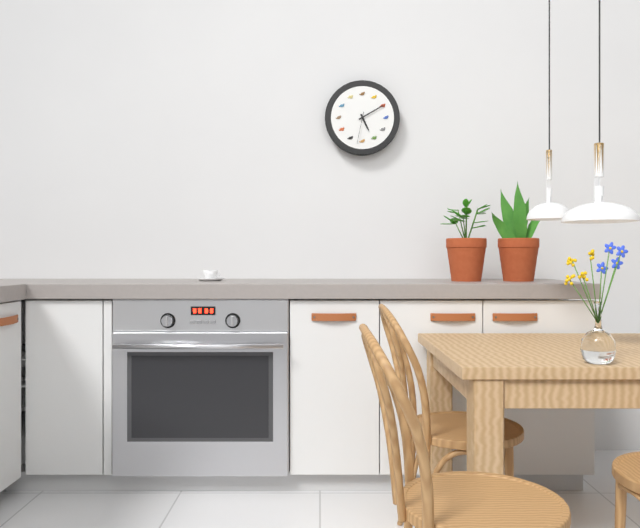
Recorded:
5 h 10 min
